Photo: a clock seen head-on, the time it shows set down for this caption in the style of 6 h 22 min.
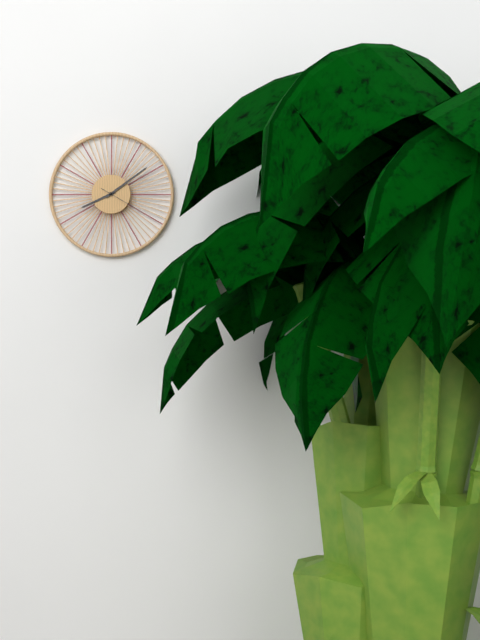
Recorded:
8 h 09 min
